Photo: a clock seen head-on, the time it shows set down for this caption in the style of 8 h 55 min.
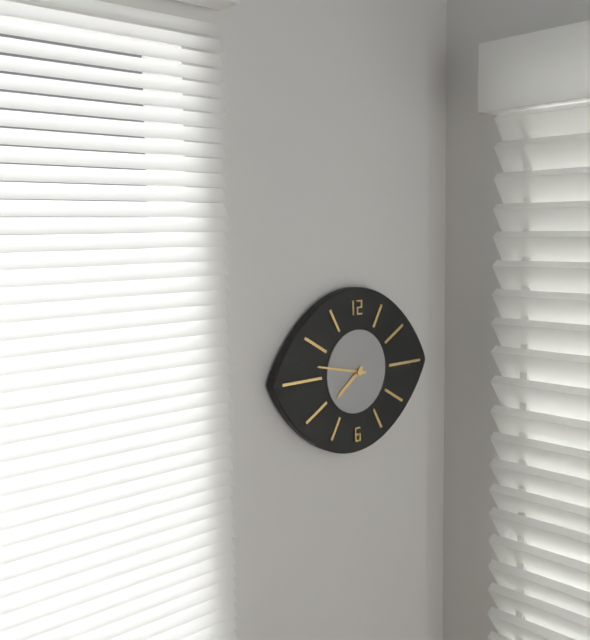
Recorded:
7 h 47 min
